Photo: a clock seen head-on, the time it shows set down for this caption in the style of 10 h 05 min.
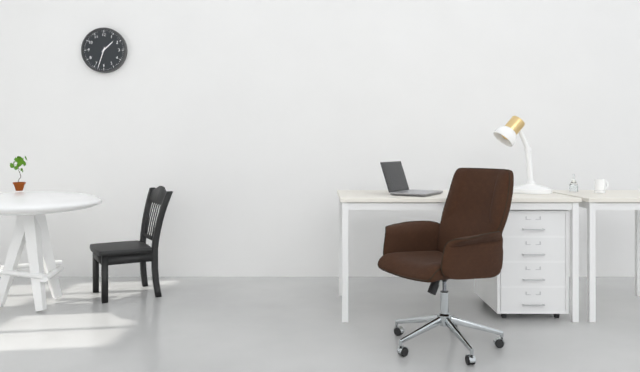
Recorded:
1 h 33 min
